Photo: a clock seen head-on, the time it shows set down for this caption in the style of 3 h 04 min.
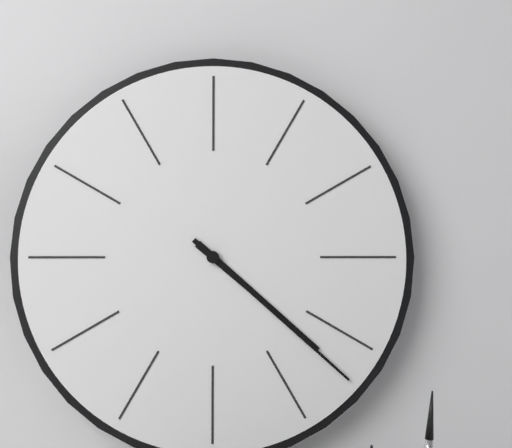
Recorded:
4 h 22 min
